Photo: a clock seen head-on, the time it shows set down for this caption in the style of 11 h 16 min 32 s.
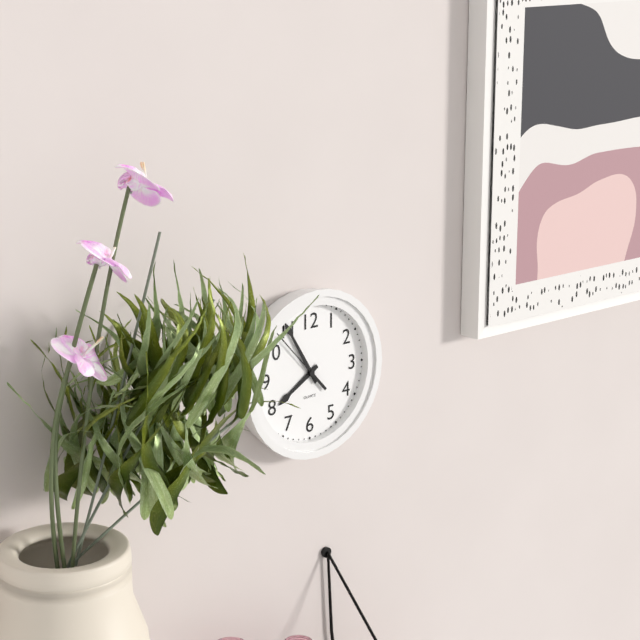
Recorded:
7 h 55 min 53 s
